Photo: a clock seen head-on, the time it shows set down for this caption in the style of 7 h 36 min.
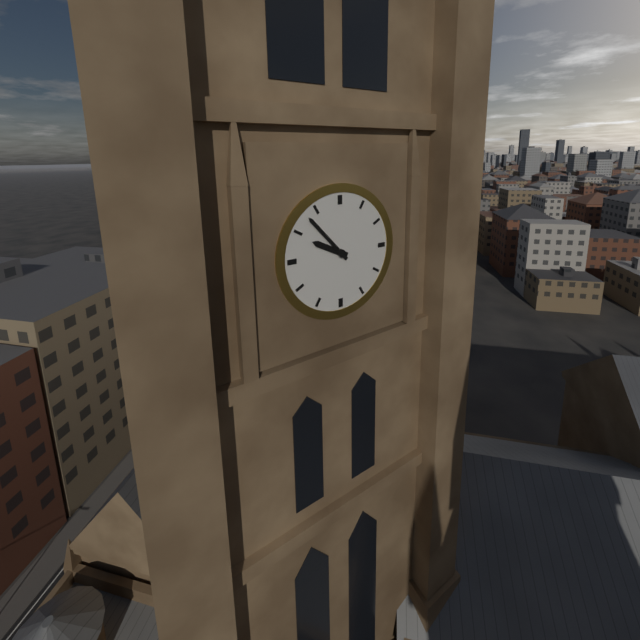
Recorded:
9 h 53 min
